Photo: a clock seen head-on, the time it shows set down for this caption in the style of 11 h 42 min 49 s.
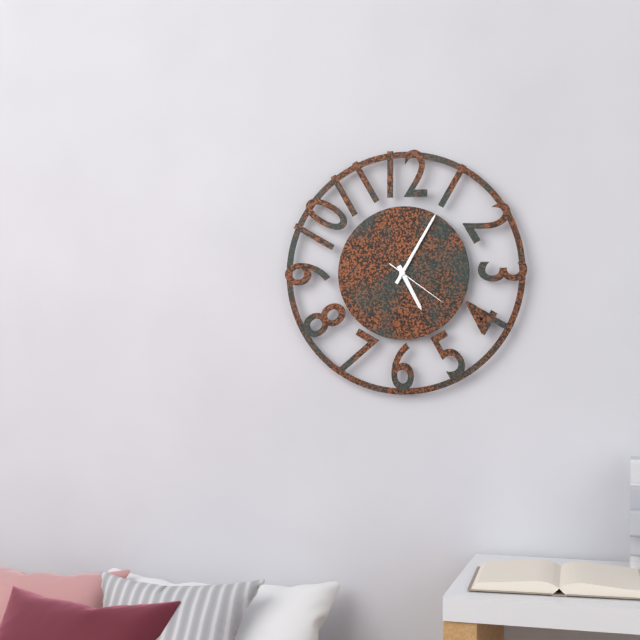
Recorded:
5 h 05 min 21 s
